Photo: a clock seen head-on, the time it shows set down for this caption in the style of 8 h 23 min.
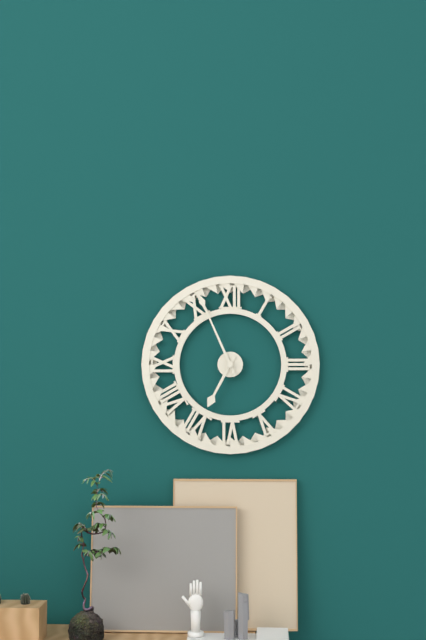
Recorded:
6 h 56 min
